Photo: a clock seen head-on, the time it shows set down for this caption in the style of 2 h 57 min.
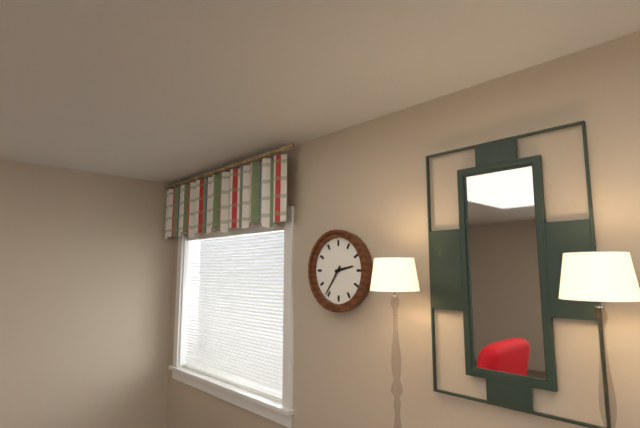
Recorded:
2 h 36 min
